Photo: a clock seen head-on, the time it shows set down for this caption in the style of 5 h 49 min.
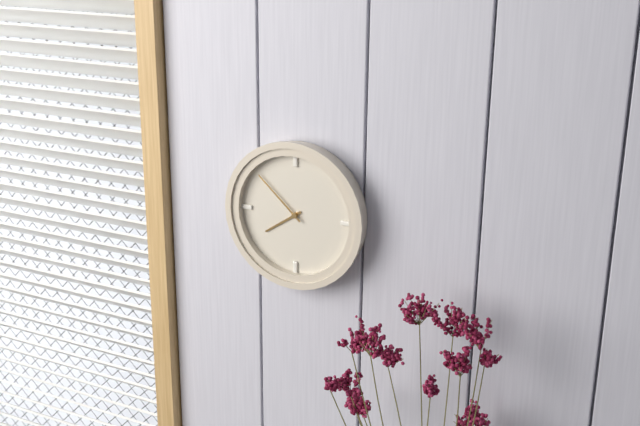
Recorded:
7 h 52 min
